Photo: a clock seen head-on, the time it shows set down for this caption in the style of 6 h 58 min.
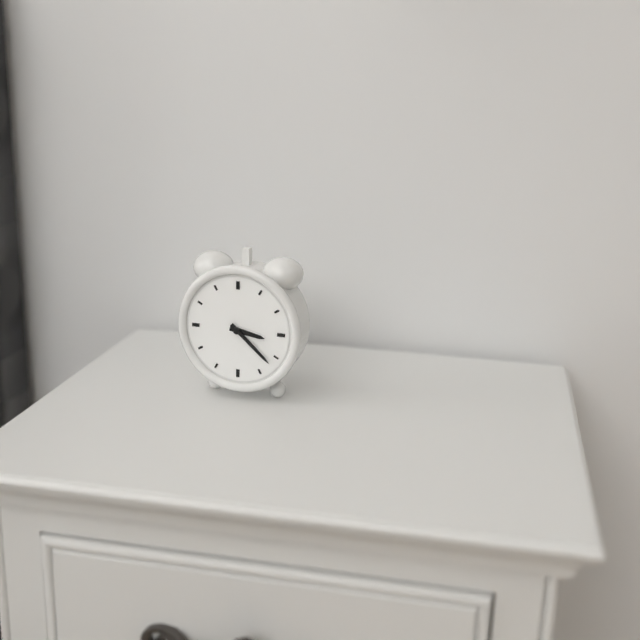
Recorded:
3 h 22 min
